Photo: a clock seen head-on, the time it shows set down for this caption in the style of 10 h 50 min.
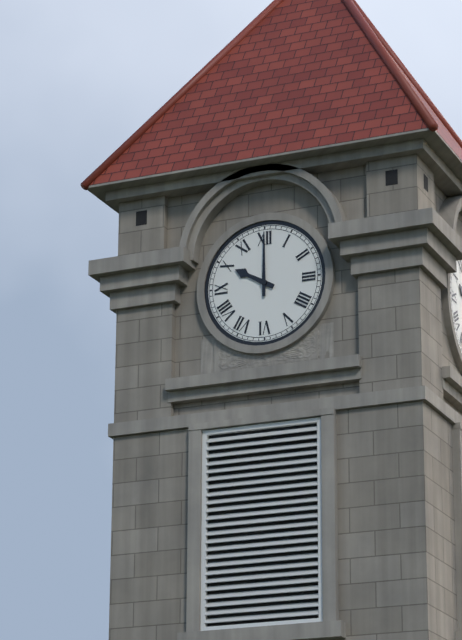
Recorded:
10 h 00 min
